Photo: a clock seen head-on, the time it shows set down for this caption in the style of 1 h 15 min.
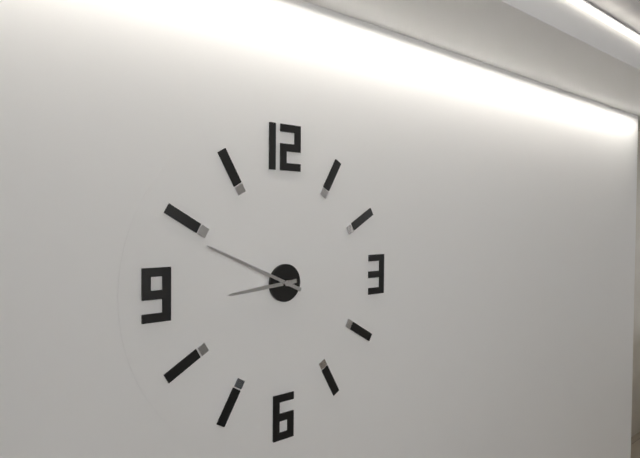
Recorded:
8 h 49 min
